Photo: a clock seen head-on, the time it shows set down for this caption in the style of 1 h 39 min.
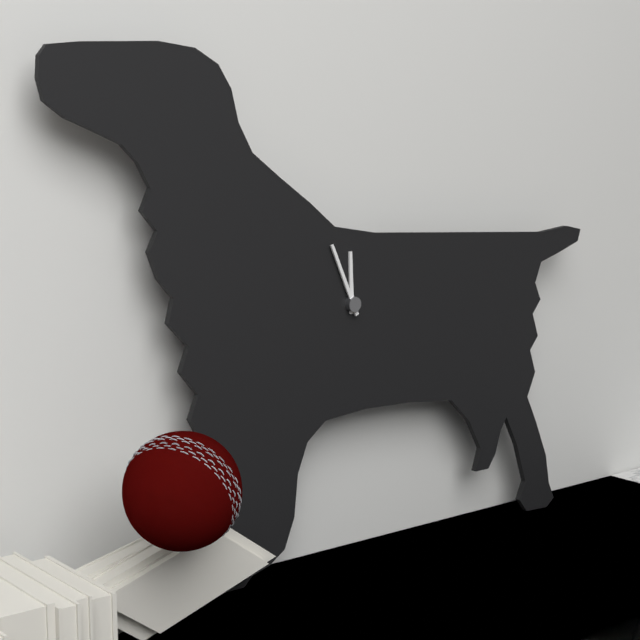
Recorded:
11 h 56 min
